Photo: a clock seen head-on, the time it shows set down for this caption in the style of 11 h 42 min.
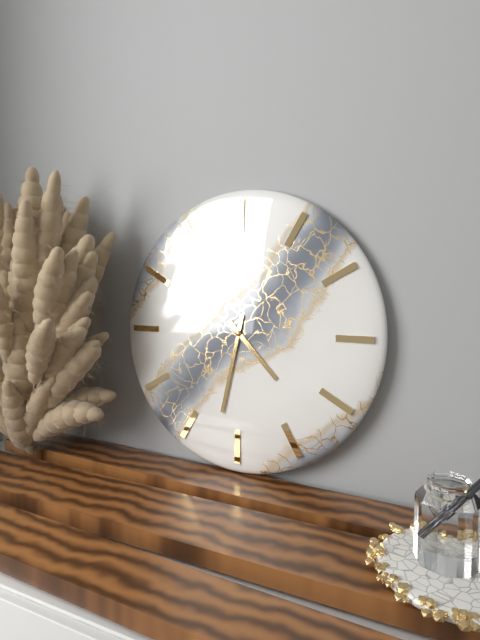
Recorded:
4 h 32 min
